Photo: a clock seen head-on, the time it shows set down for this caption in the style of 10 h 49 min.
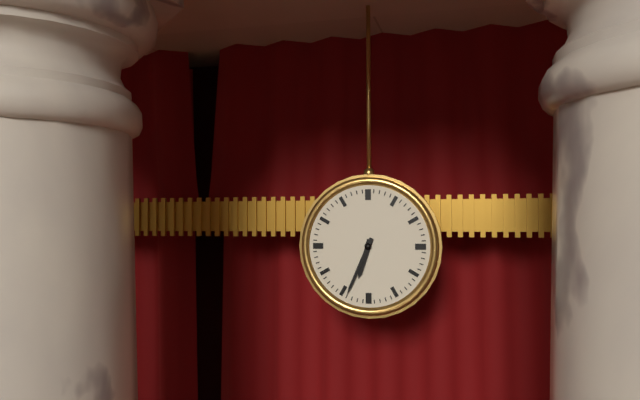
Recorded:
6 h 34 min
